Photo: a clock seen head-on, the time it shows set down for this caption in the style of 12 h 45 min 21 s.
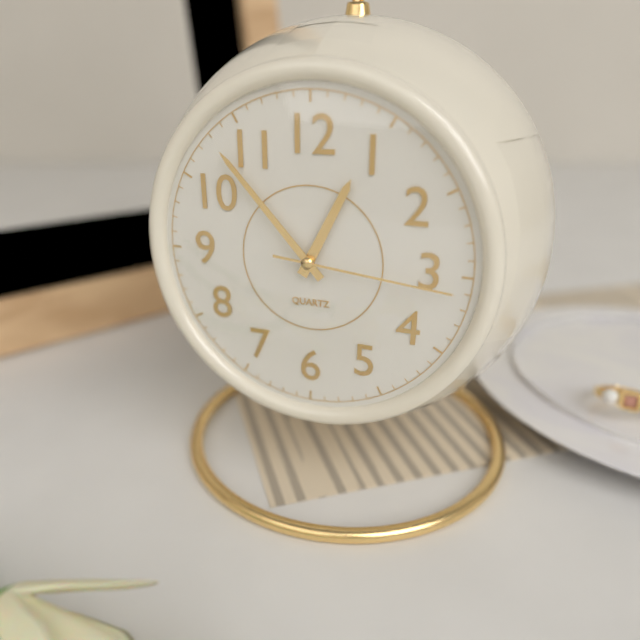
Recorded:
12 h 53 min 16 s
